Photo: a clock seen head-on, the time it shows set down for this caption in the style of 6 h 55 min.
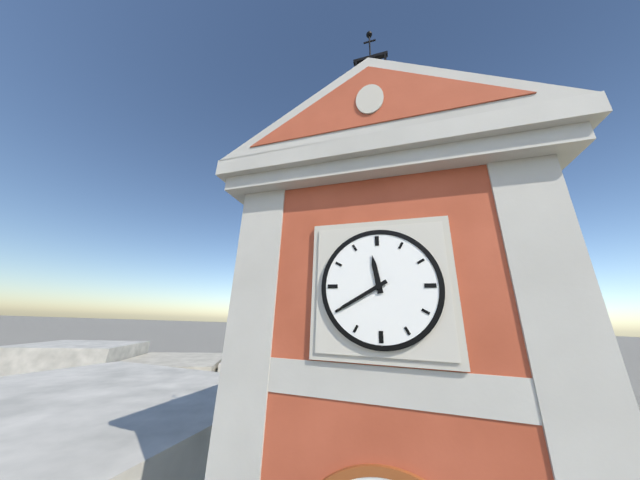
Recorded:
11 h 40 min
